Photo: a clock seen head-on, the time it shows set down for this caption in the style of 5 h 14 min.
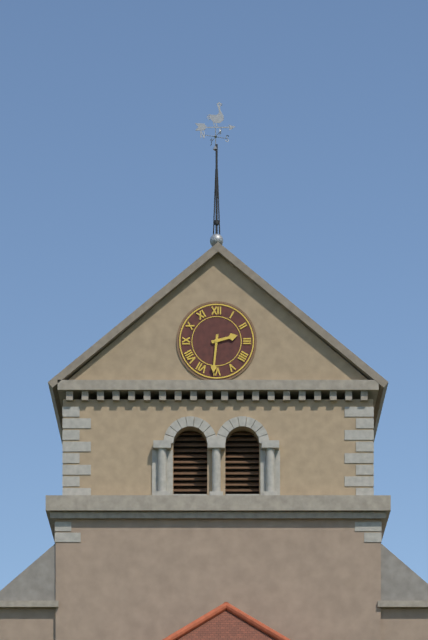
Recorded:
2 h 31 min
